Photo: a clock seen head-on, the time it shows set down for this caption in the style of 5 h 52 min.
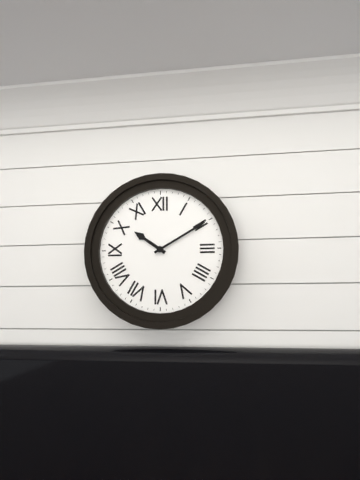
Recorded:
10 h 10 min
